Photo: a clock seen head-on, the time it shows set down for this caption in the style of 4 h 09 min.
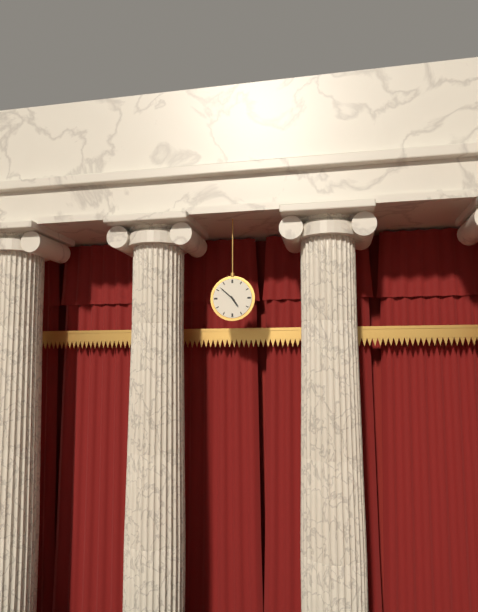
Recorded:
4 h 52 min
